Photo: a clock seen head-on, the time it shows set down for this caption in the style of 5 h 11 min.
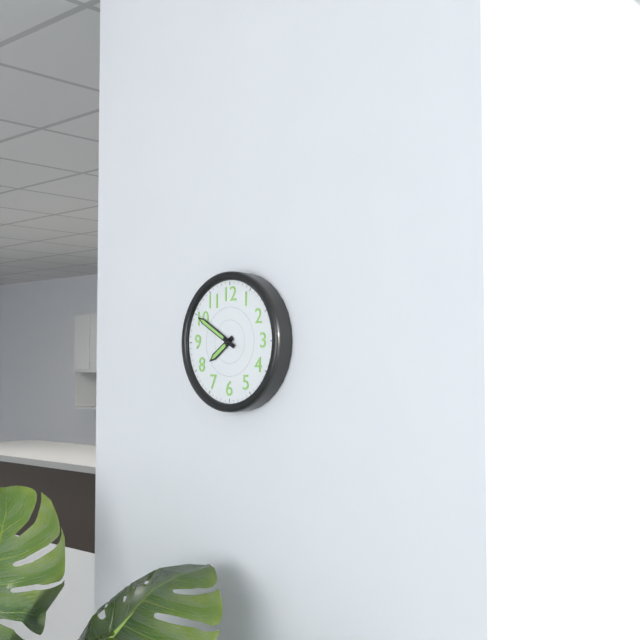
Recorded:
7 h 50 min
